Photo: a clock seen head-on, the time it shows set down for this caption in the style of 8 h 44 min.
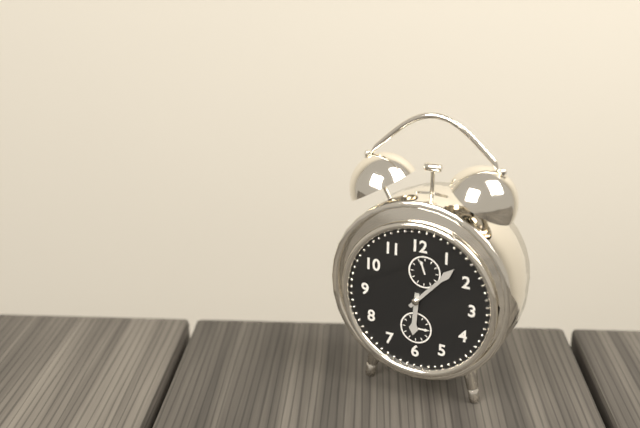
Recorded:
6 h 07 min
